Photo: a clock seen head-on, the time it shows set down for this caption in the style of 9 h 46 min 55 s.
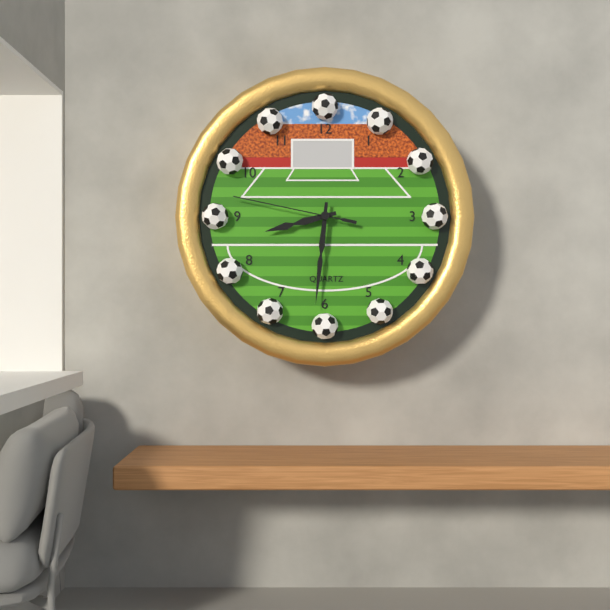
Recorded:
8 h 31 min 47 s
